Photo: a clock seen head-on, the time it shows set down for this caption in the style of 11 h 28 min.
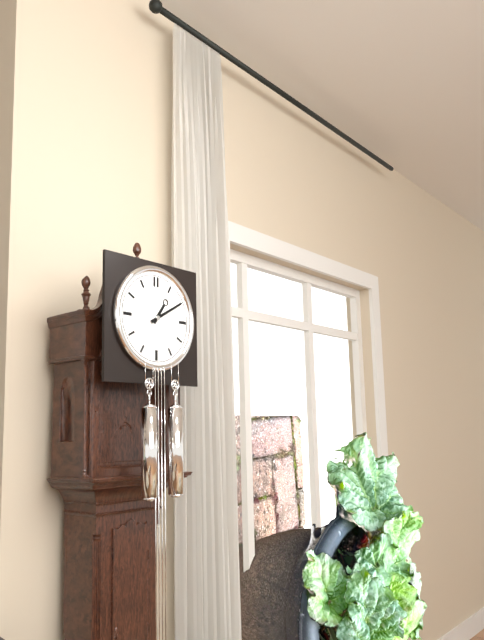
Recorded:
1 h 10 min
